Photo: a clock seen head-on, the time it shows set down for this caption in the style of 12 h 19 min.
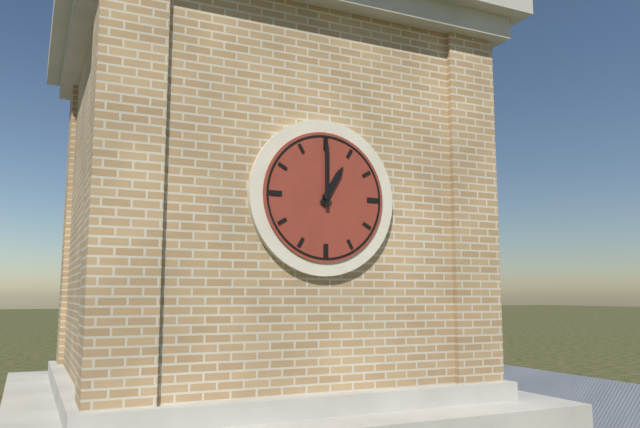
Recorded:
1 h 00 min
